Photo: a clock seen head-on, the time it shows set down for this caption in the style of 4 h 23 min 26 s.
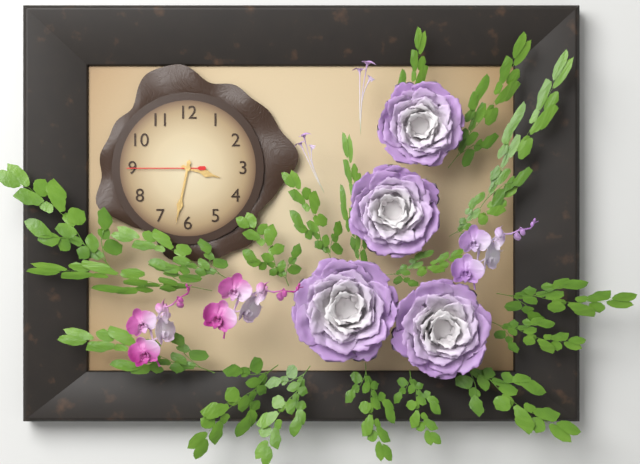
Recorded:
3 h 32 min 45 s
